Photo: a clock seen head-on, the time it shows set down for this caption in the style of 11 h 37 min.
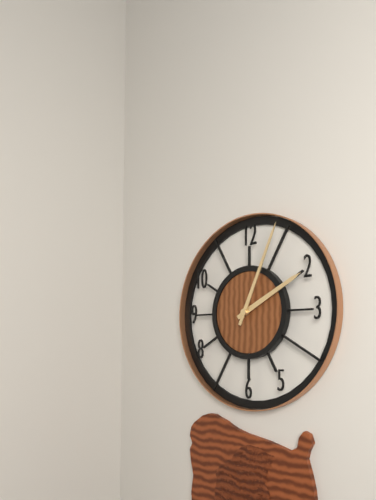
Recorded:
2 h 04 min
